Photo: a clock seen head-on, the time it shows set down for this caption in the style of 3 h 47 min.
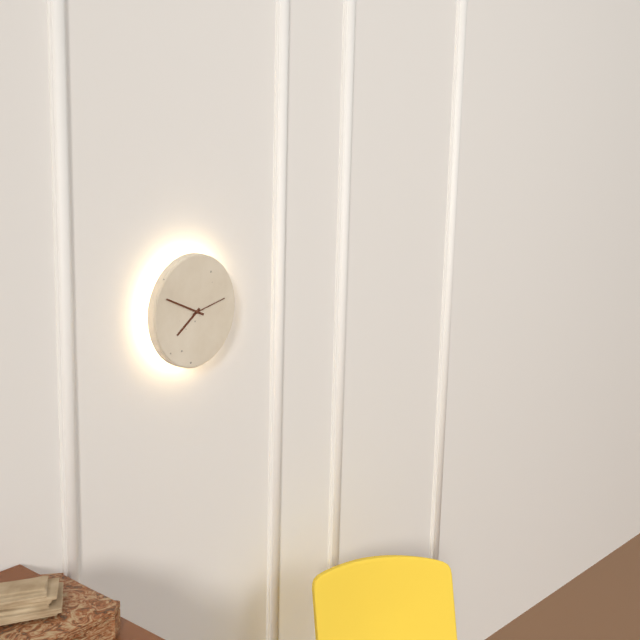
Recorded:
7 h 49 min
